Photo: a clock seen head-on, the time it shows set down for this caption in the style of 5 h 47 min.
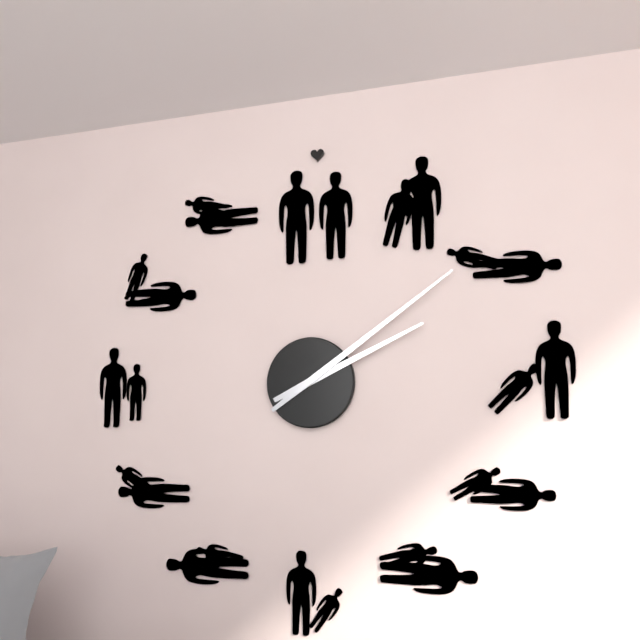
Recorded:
2 h 09 min
